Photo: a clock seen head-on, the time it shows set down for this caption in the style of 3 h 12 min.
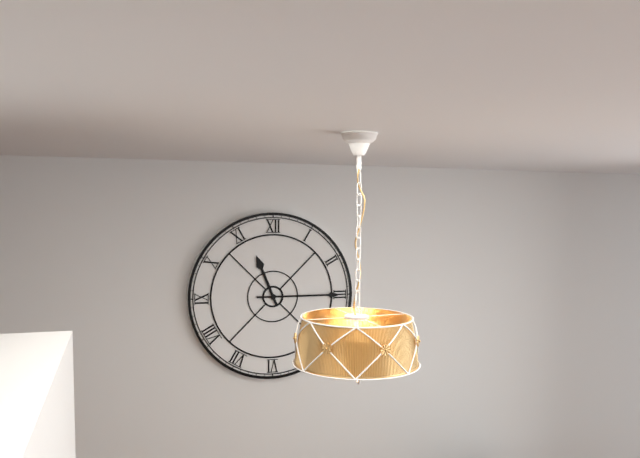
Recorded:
11 h 15 min
